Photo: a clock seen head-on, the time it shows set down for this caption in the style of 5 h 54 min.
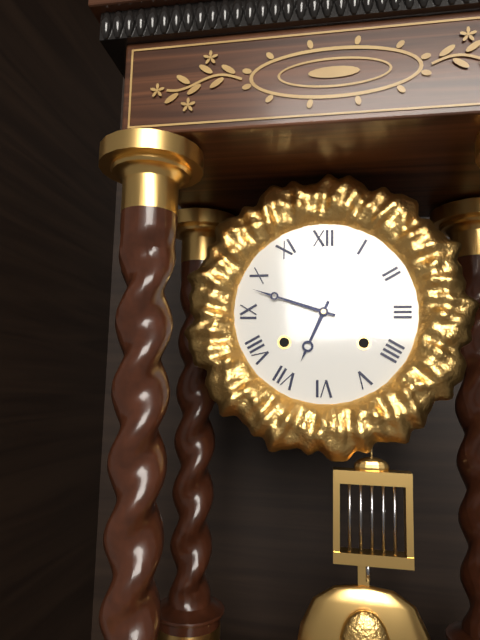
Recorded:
6 h 48 min
